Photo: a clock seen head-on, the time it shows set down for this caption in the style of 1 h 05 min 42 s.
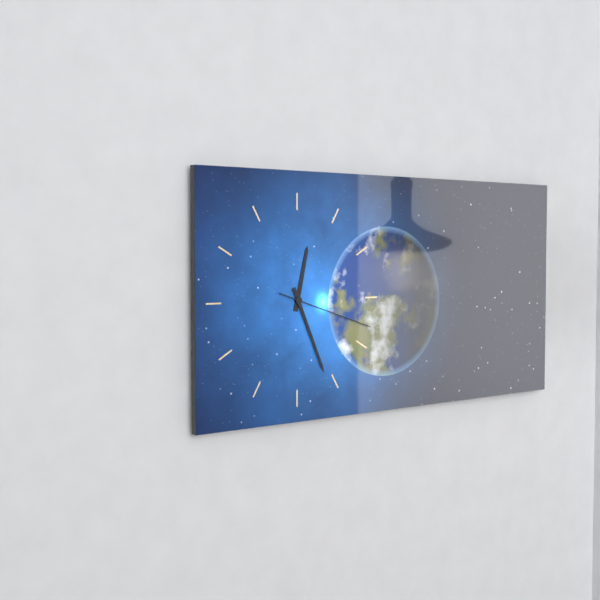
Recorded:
12 h 26 min 18 s
